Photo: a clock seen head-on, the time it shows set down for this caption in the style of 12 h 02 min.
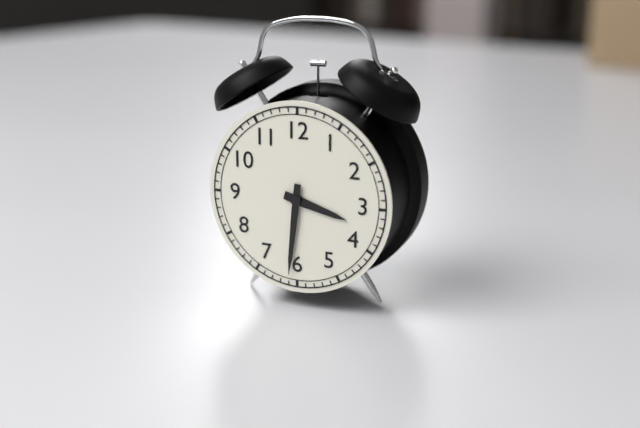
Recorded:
3 h 31 min
